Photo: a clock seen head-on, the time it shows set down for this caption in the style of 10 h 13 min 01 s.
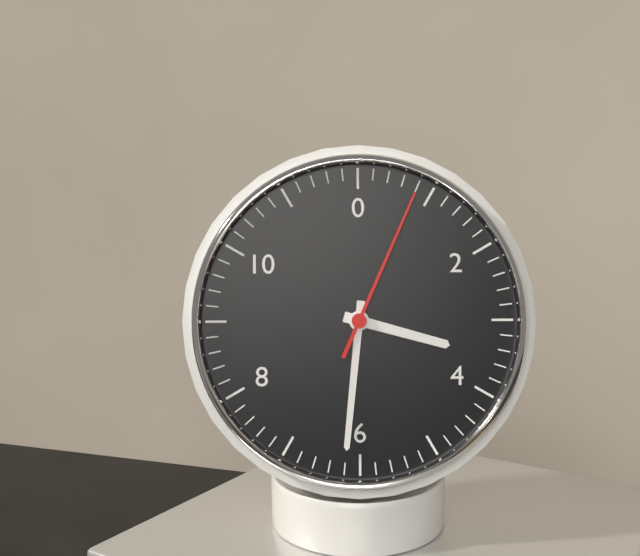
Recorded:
3 h 31 min 04 s
